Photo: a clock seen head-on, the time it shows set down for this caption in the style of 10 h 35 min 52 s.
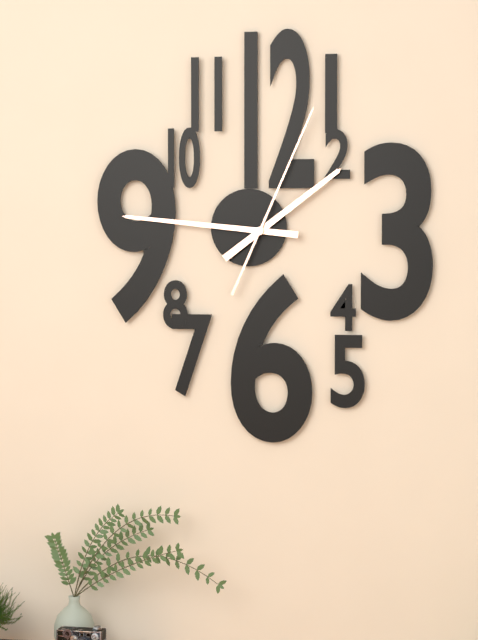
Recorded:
1 h 46 min 04 s
